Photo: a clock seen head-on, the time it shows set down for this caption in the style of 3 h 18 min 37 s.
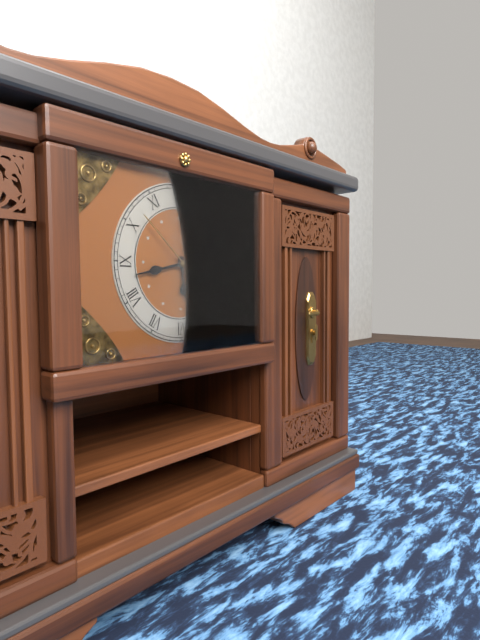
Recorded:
5 h 43 min 52 s
